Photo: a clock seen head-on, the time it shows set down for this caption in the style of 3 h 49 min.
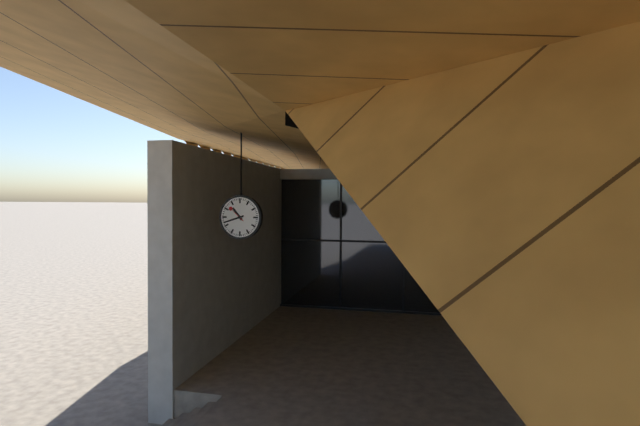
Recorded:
10 h 42 min
